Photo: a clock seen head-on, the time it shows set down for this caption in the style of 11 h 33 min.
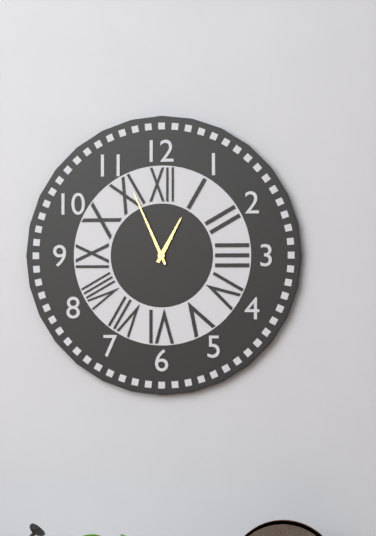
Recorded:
12 h 56 min
